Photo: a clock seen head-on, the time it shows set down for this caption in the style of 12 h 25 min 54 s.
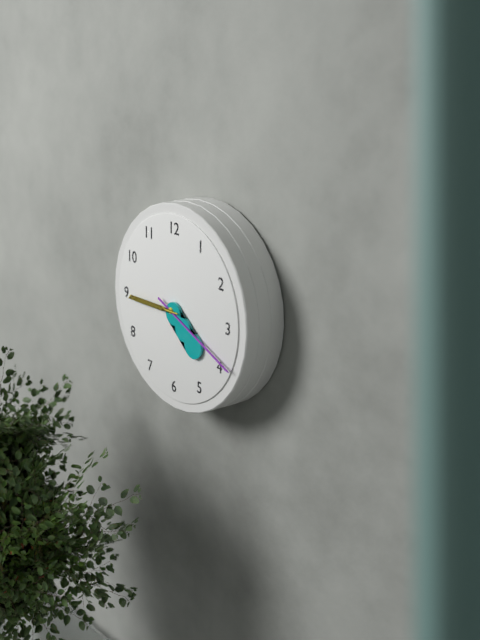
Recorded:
4 h 19 min 45 s
